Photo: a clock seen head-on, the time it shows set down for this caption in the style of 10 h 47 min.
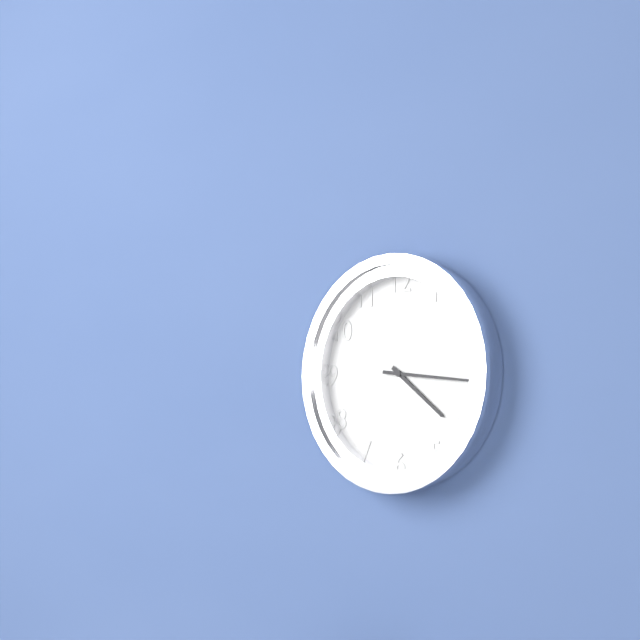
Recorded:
4 h 16 min
